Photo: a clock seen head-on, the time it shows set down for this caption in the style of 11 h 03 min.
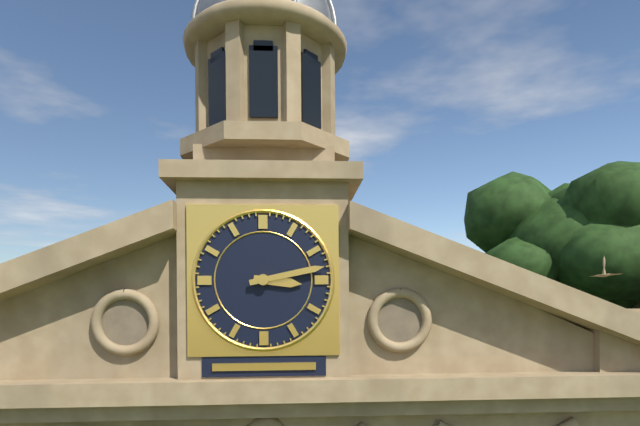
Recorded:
3 h 13 min
